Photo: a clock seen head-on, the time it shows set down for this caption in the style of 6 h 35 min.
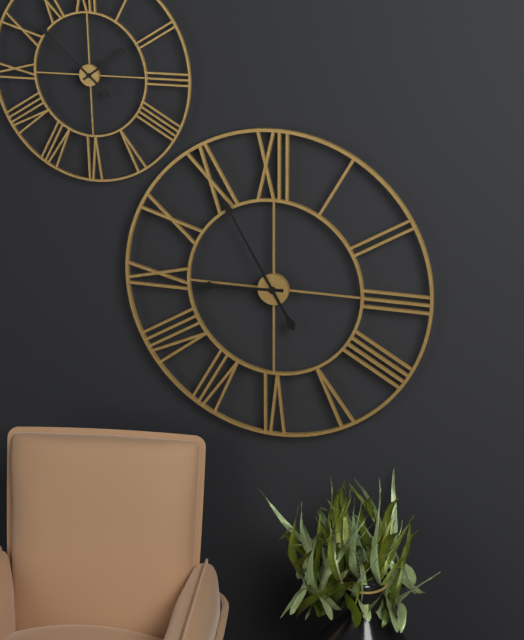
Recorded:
8 h 55 min
